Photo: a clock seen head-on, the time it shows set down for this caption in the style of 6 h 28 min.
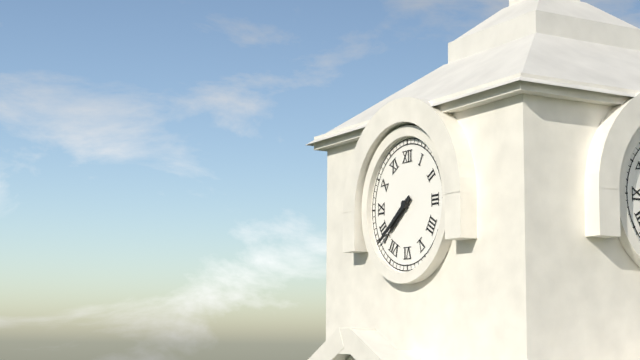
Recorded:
7 h 39 min
